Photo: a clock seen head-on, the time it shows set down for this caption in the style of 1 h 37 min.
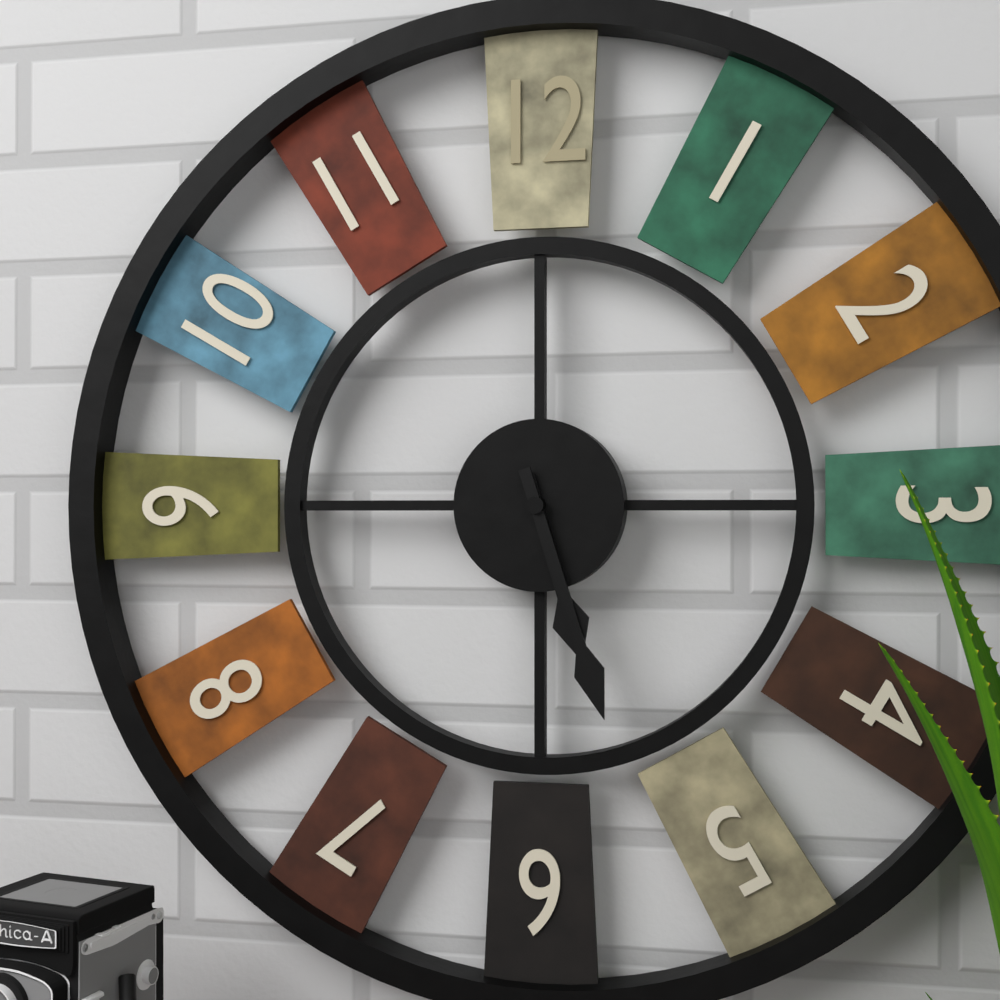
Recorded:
5 h 27 min
